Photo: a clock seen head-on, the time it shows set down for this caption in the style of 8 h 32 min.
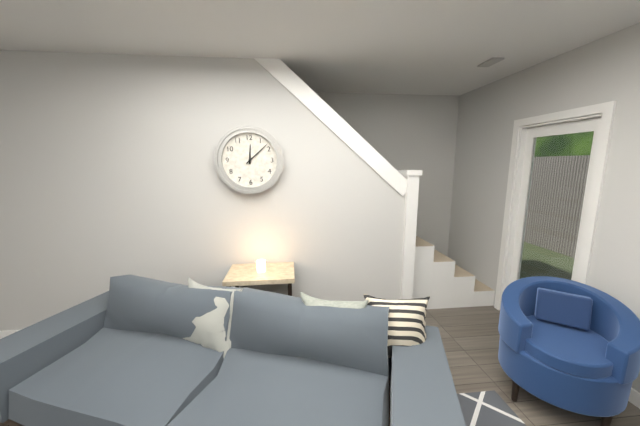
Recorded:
12 h 08 min
